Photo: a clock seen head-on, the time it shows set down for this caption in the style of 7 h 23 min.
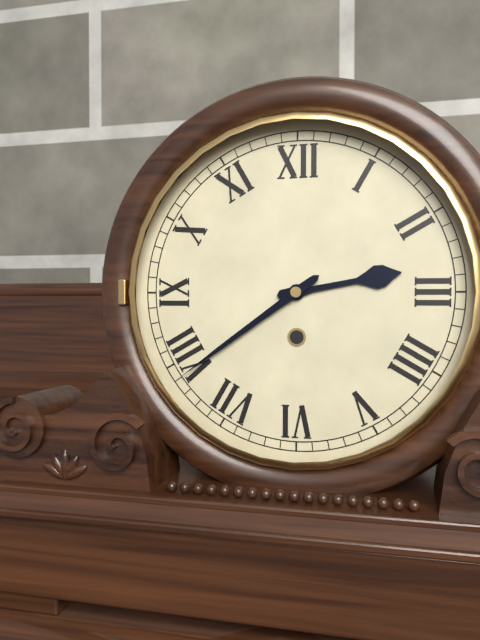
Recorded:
2 h 39 min
